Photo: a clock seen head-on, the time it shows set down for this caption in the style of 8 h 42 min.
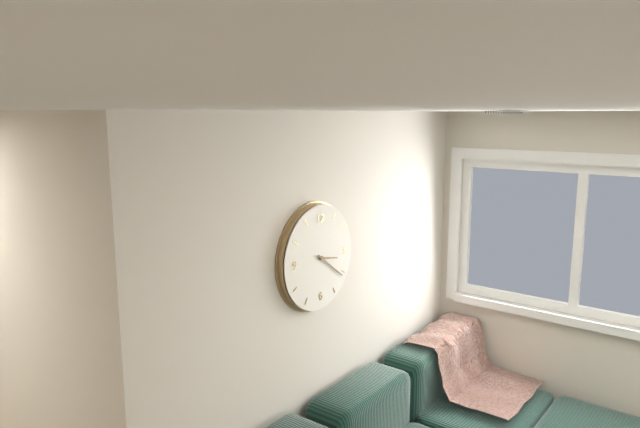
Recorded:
3 h 21 min
